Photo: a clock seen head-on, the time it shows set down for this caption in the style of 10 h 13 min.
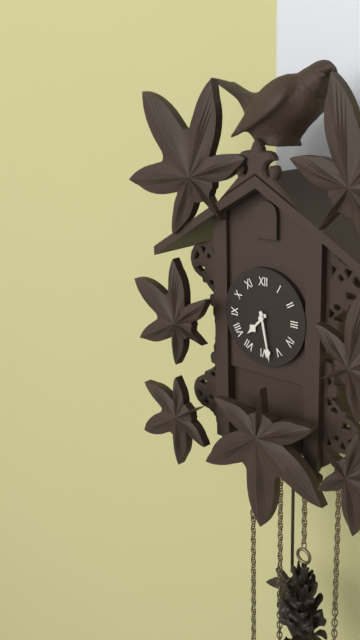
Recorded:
7 h 28 min
